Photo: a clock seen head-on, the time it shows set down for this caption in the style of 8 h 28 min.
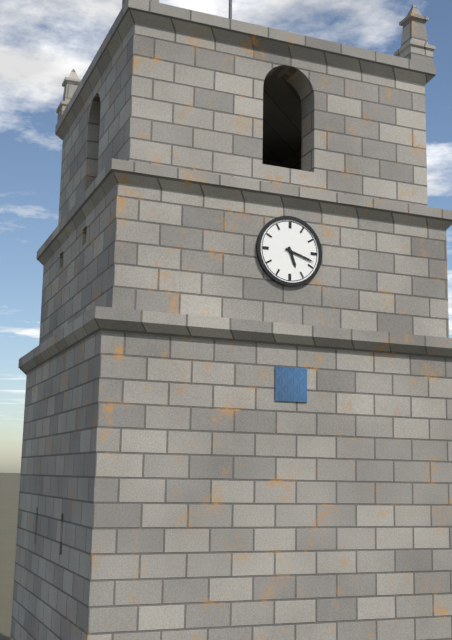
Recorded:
5 h 18 min
